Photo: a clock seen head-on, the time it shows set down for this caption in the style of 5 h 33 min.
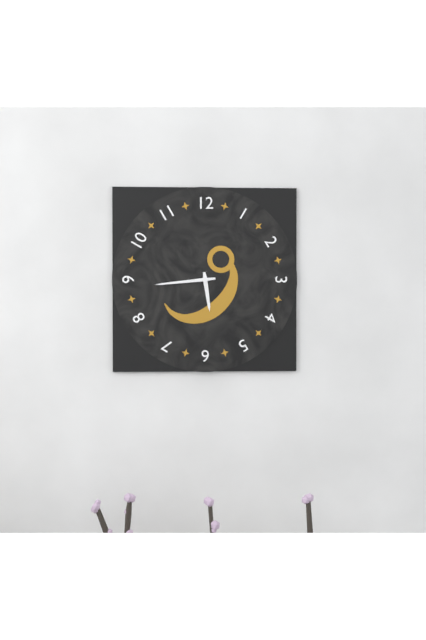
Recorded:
5 h 44 min
